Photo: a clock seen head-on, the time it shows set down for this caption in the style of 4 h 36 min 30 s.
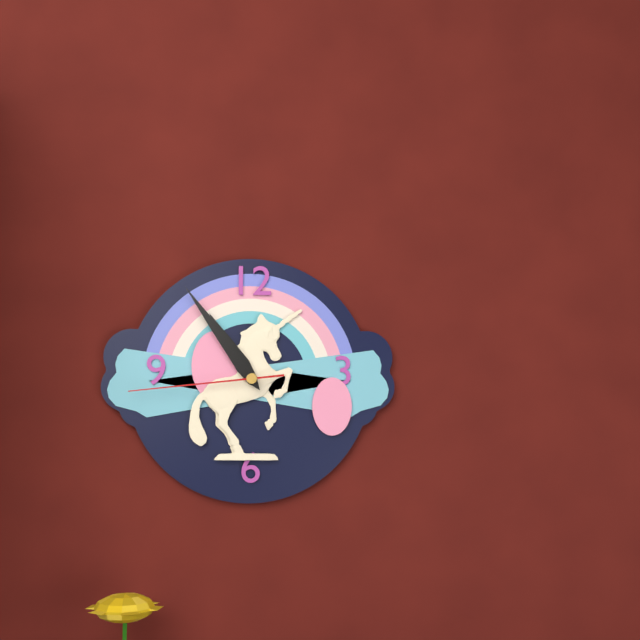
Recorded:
10 h 54 min 44 s
